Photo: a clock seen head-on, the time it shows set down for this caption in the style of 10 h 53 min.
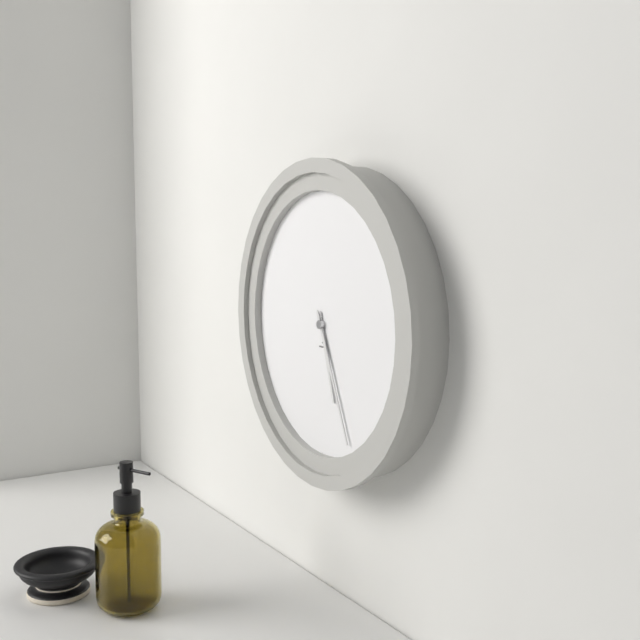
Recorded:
5 h 26 min
